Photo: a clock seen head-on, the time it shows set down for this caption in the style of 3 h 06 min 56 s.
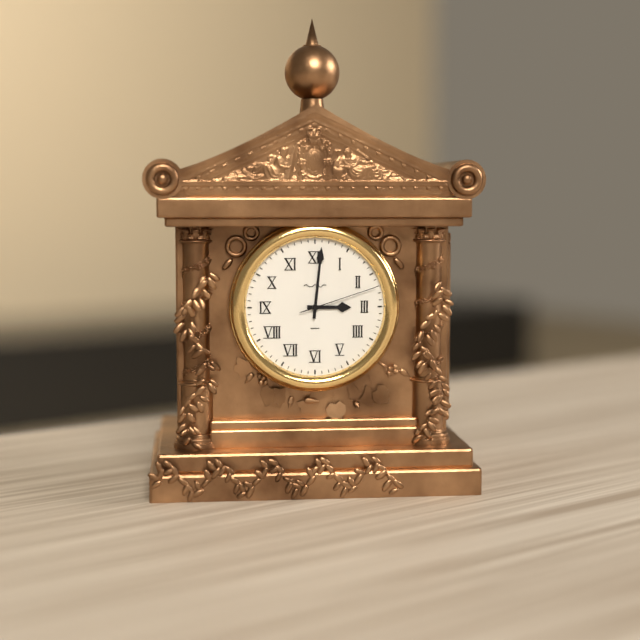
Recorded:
3 h 01 min 12 s
